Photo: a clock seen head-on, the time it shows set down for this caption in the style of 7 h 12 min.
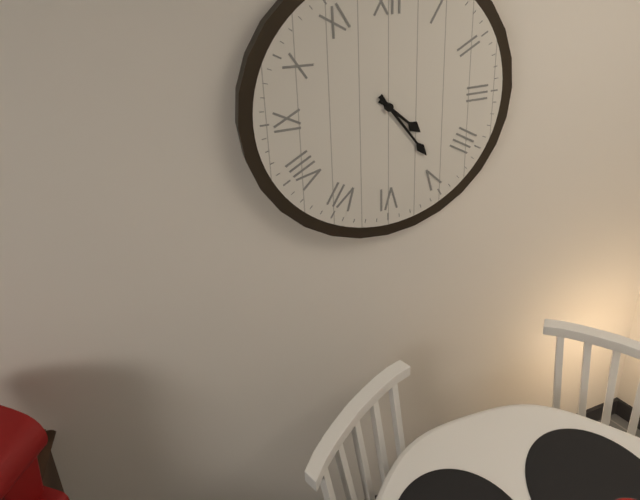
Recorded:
4 h 24 min
